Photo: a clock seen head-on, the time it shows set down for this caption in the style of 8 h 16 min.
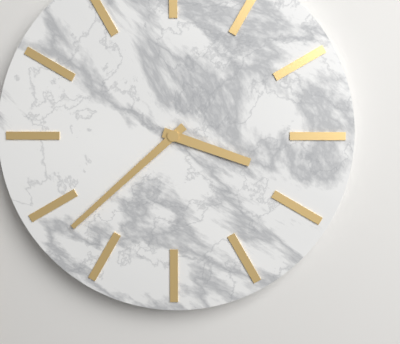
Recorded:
3 h 38 min
